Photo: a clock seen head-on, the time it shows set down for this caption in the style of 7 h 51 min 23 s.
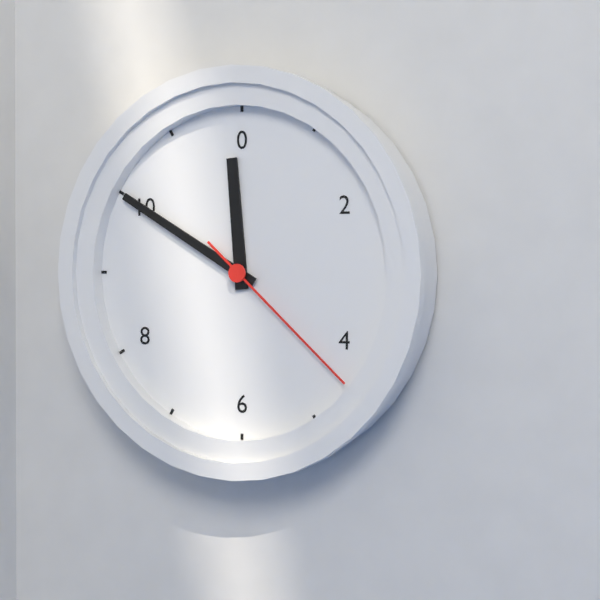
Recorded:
11 h 50 min 22 s
